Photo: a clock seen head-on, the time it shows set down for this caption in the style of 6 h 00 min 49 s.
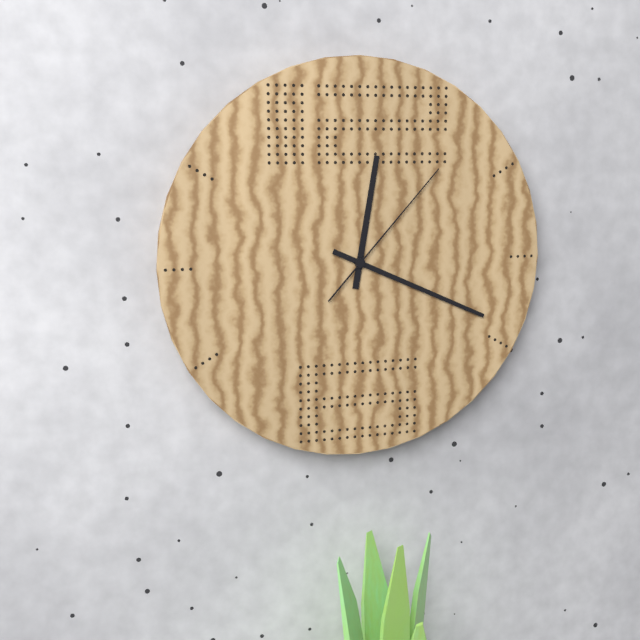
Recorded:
12 h 19 min 07 s
